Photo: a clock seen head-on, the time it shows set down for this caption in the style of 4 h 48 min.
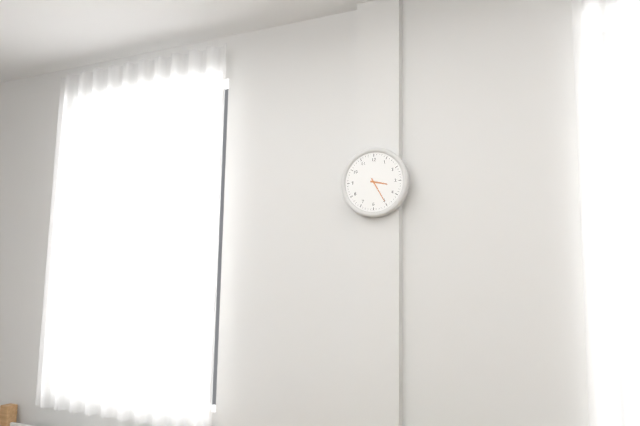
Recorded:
3 h 25 min
